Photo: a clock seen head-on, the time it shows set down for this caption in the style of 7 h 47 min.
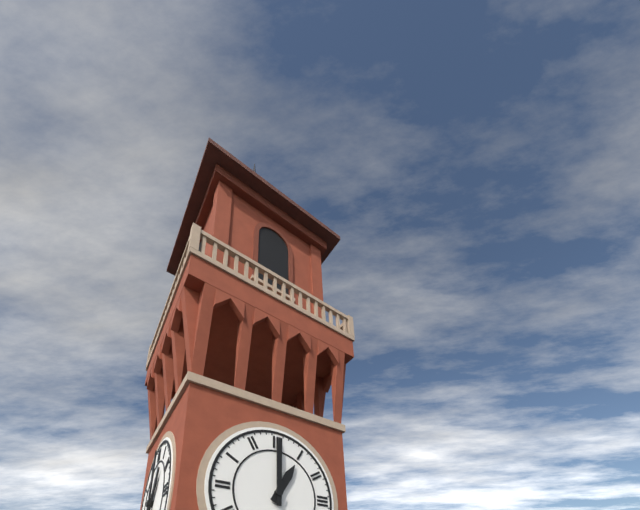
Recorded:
1 h 00 min
